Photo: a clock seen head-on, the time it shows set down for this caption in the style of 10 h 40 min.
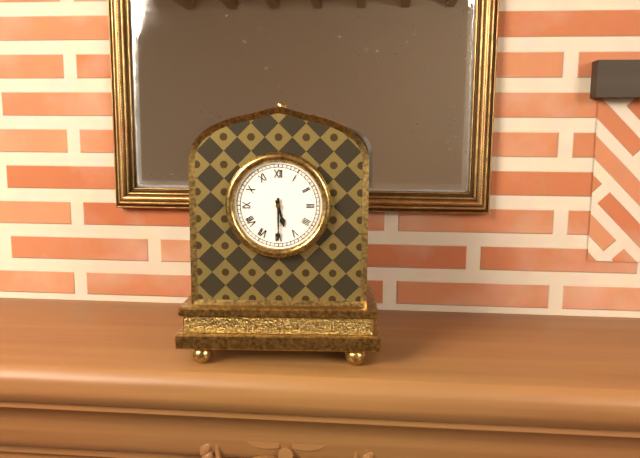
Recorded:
5 h 30 min
